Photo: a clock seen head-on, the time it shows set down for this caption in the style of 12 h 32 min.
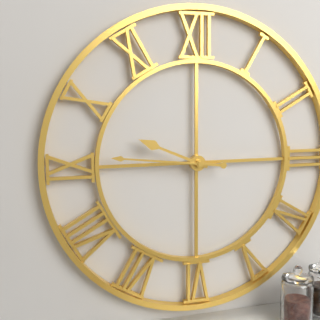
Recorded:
9 h 46 min
